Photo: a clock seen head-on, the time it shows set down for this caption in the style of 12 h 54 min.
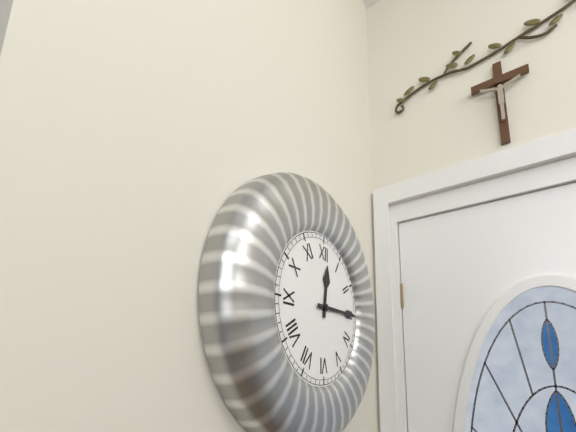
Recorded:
12 h 15 min
